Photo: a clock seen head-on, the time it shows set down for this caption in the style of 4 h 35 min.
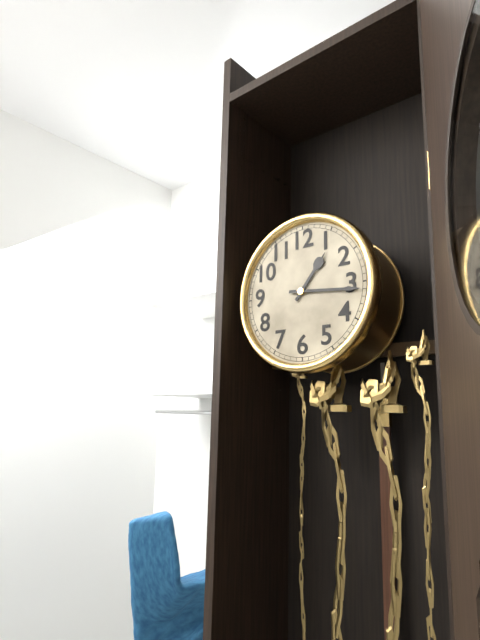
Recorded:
1 h 16 min
